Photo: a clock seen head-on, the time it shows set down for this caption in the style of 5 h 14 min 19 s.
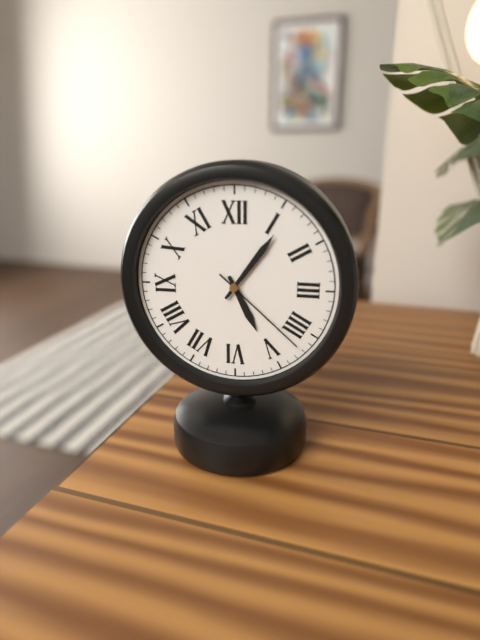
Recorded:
5 h 06 min 22 s
